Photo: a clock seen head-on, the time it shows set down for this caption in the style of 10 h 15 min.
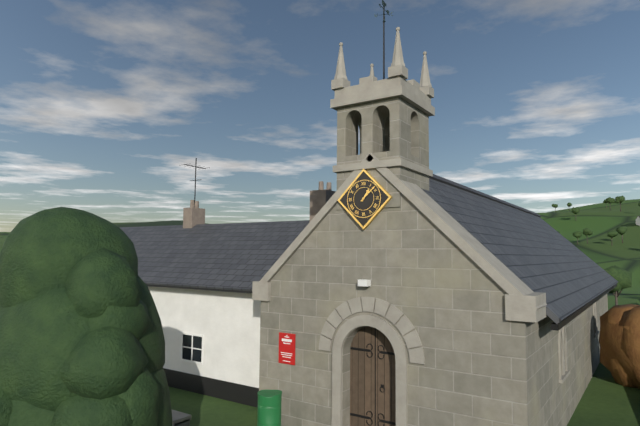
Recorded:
1 h 08 min
